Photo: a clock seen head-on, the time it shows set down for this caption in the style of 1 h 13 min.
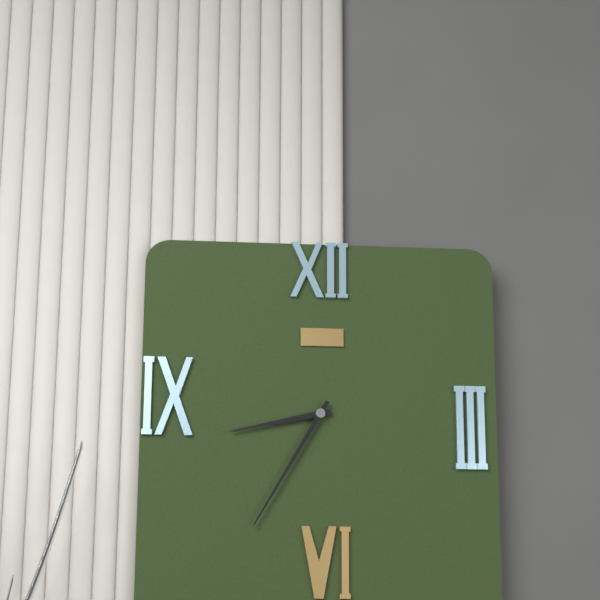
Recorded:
8 h 35 min
